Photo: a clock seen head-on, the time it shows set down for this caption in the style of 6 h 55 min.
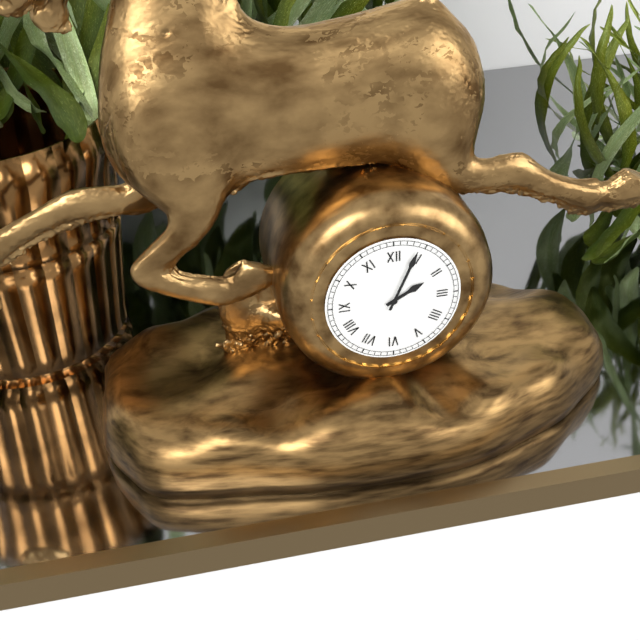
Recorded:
2 h 04 min
